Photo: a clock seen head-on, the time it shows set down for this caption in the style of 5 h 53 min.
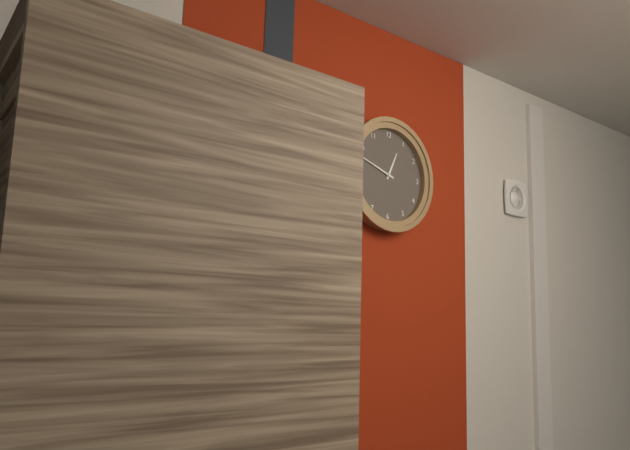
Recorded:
12 h 48 min
